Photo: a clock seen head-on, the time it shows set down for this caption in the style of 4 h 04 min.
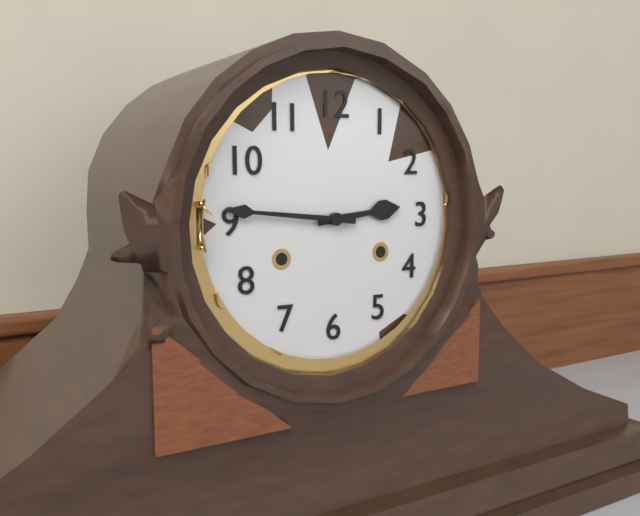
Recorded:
2 h 46 min
